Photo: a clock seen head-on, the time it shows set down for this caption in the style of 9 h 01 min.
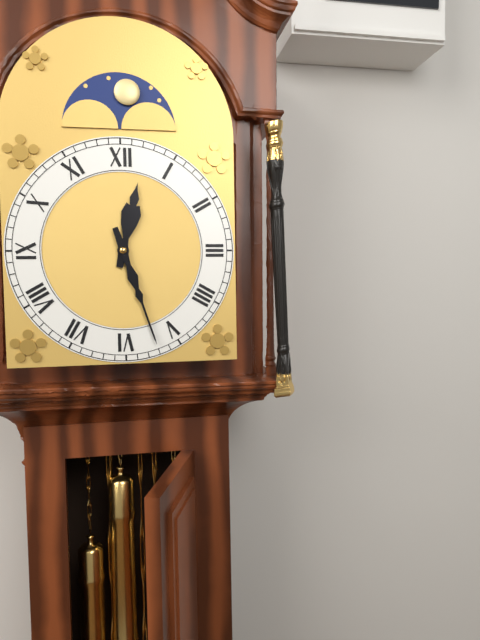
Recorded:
12 h 27 min
